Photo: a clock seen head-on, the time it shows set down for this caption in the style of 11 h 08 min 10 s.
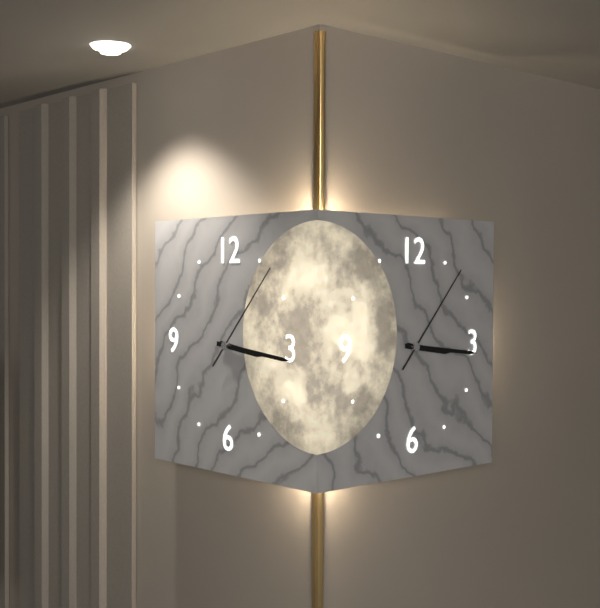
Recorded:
3 h 16 min 07 s
